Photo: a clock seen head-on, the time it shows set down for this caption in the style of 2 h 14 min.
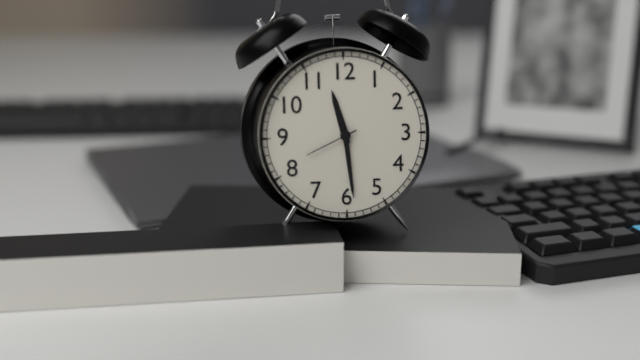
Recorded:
11 h 29 min
